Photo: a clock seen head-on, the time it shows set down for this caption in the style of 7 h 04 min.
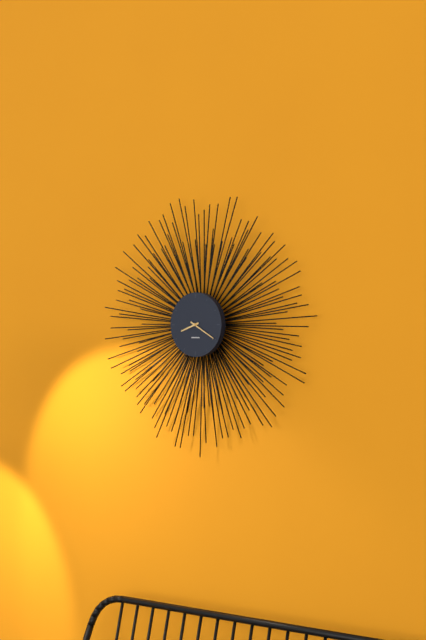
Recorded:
8 h 20 min
